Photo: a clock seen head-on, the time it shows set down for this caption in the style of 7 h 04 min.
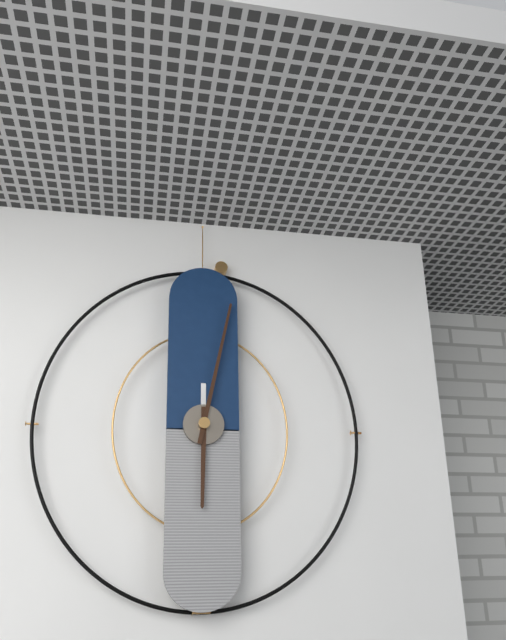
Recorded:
6 h 02 min
